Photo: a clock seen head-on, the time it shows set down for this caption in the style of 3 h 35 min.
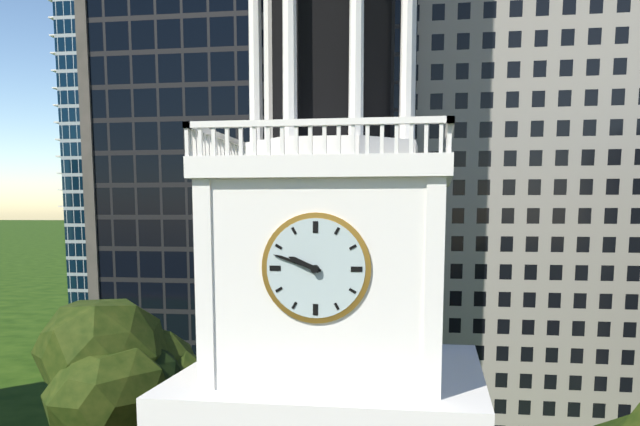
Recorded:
9 h 48 min
